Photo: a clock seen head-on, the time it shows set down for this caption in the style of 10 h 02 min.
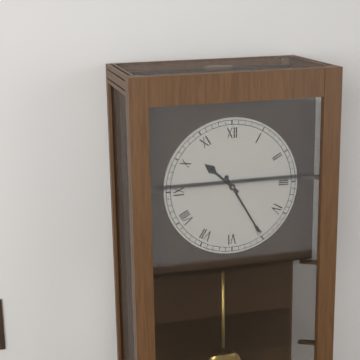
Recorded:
10 h 25 min
